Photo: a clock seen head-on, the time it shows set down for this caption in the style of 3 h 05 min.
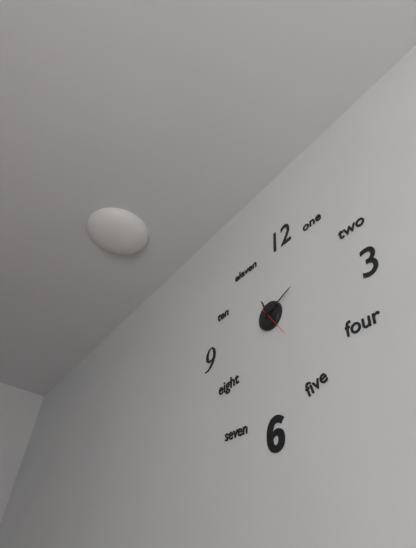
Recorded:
11 h 11 min
